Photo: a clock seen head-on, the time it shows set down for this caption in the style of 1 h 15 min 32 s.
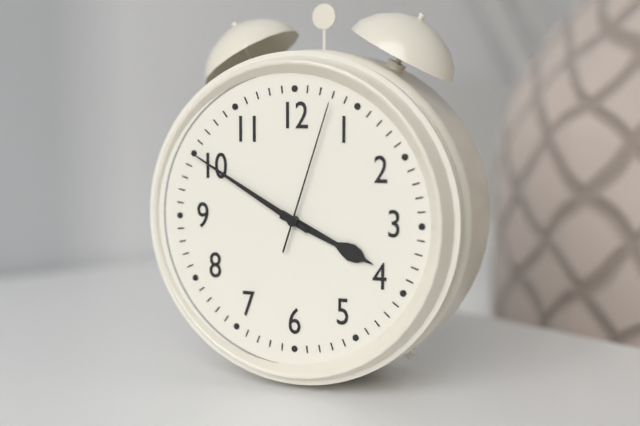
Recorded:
3 h 50 min 03 s
